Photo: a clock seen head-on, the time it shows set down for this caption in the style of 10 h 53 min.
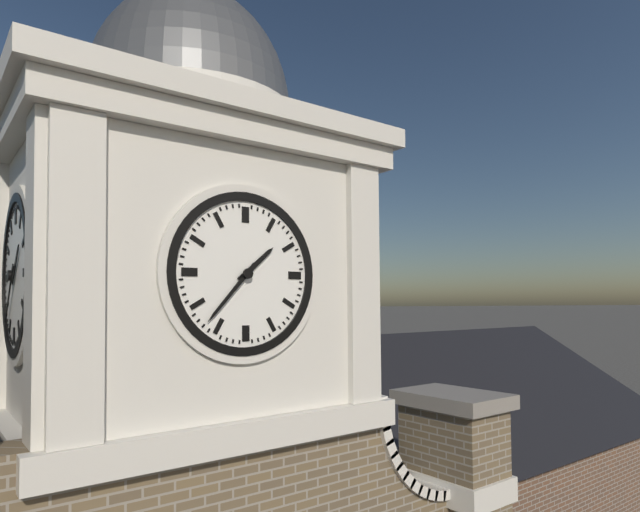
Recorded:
1 h 37 min
